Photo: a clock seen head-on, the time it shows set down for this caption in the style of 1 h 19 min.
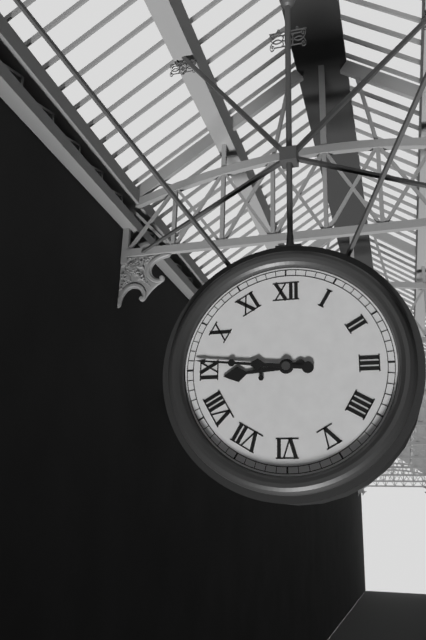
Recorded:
8 h 46 min
